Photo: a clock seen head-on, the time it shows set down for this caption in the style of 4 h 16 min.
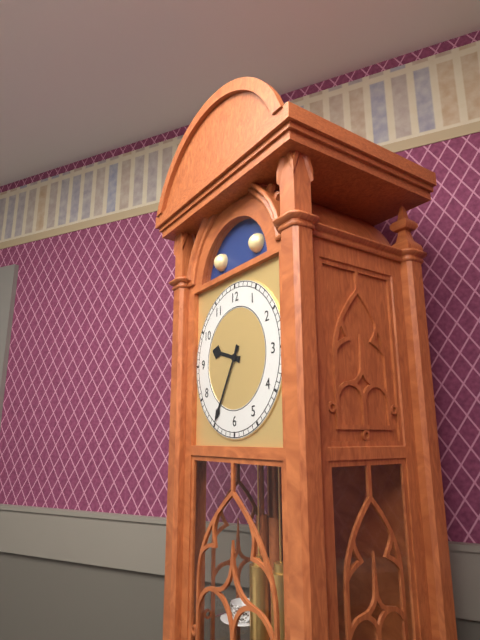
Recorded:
9 h 35 min
